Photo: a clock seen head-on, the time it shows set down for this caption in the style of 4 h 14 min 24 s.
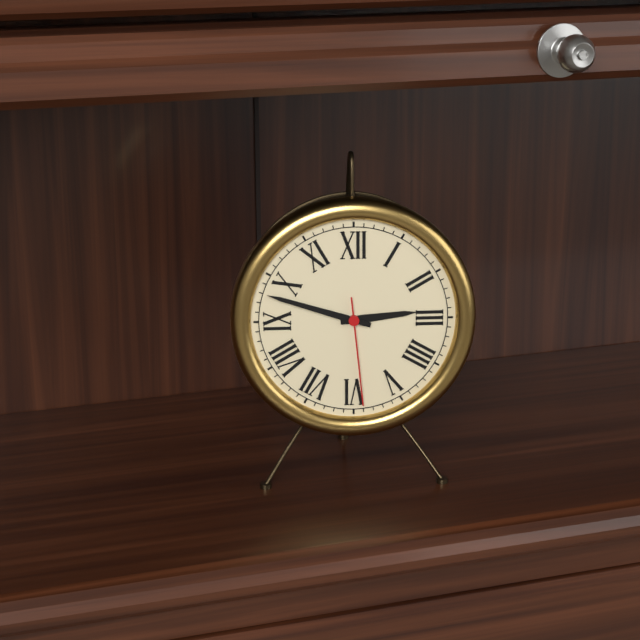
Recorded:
2 h 48 min 29 s
